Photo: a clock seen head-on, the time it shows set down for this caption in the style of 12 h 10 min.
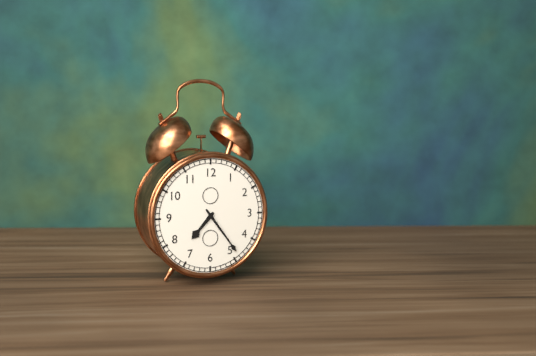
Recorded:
7 h 24 min
